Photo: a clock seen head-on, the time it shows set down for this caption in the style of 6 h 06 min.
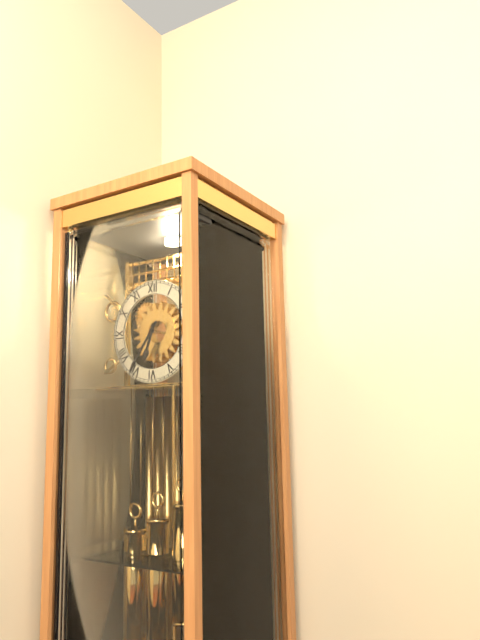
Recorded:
6 h 36 min
